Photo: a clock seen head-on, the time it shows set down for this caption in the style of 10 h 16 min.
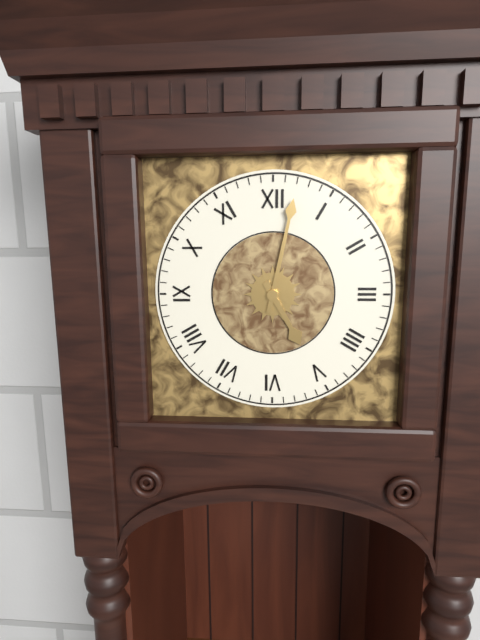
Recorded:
5 h 02 min
